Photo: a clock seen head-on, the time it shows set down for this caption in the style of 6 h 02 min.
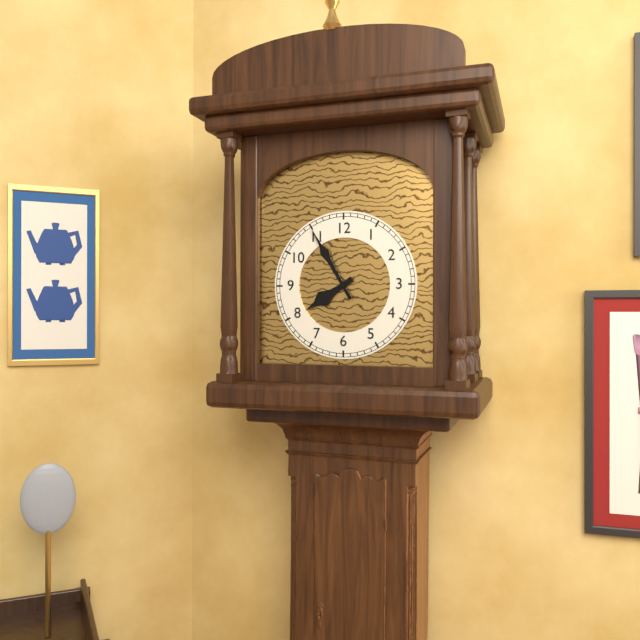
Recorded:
7 h 55 min
